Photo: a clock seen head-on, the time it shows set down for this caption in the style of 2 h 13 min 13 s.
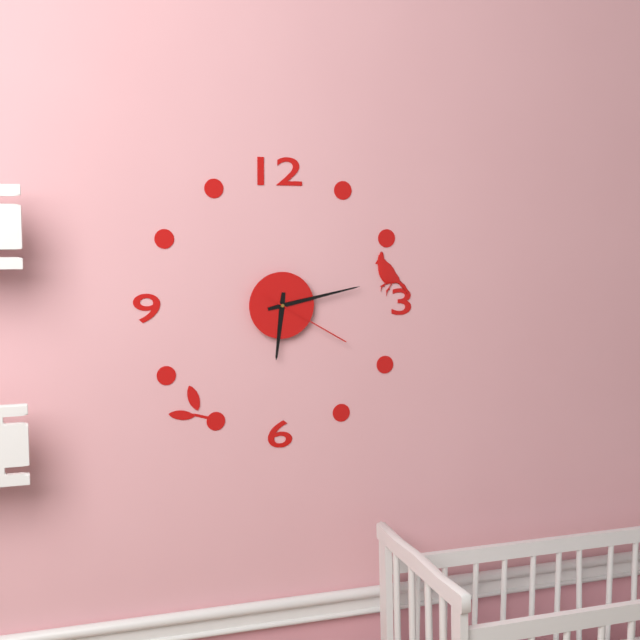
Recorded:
6 h 13 min 20 s
